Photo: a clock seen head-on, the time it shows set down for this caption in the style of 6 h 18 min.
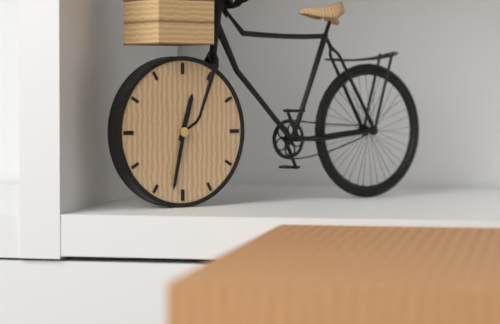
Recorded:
12 h 32 min
